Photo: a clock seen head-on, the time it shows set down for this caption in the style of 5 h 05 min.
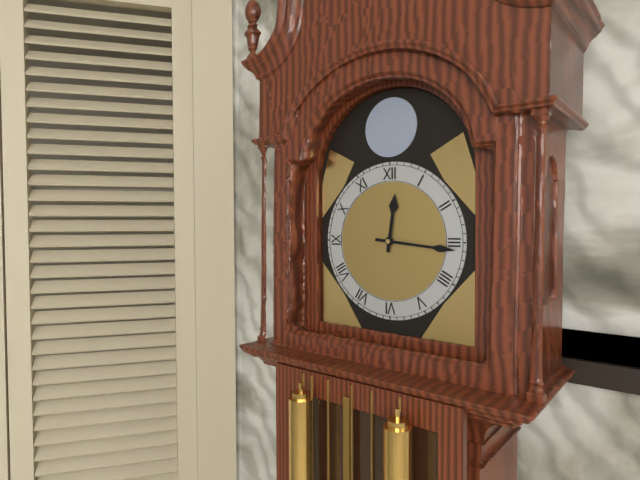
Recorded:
12 h 16 min
